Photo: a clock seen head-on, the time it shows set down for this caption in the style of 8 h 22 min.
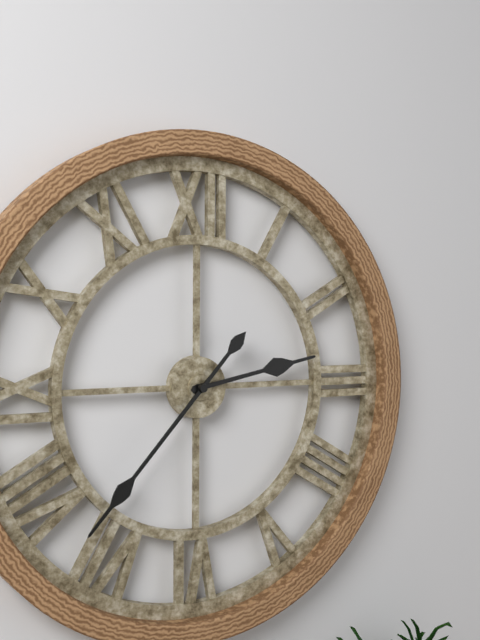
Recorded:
2 h 37 min
